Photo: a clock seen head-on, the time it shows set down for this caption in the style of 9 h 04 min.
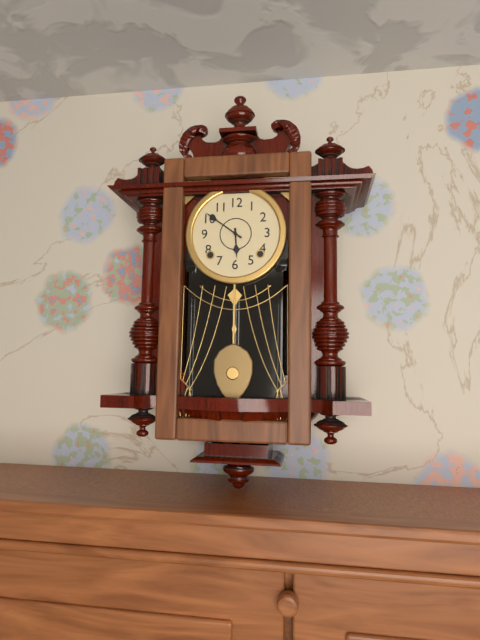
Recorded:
5 h 51 min
